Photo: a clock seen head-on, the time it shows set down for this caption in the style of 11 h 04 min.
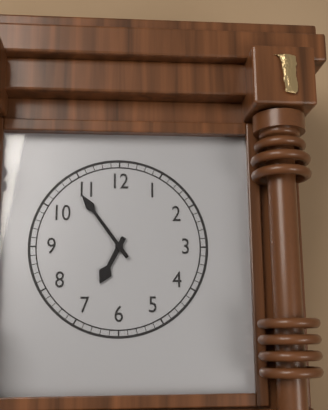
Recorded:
6 h 54 min
